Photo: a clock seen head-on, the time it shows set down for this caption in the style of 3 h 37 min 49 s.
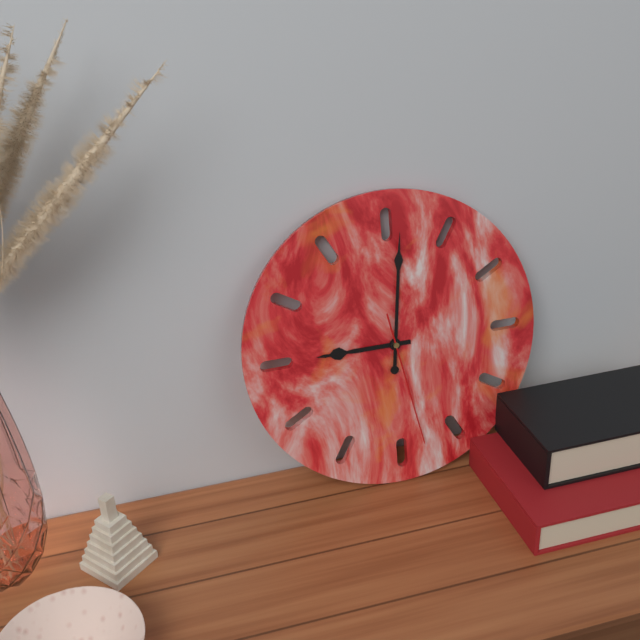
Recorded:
9 h 01 min 28 s
